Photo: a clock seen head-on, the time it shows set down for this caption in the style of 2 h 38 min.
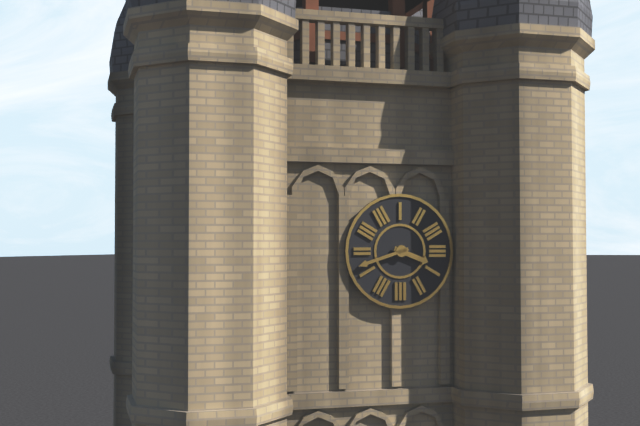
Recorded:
3 h 42 min
